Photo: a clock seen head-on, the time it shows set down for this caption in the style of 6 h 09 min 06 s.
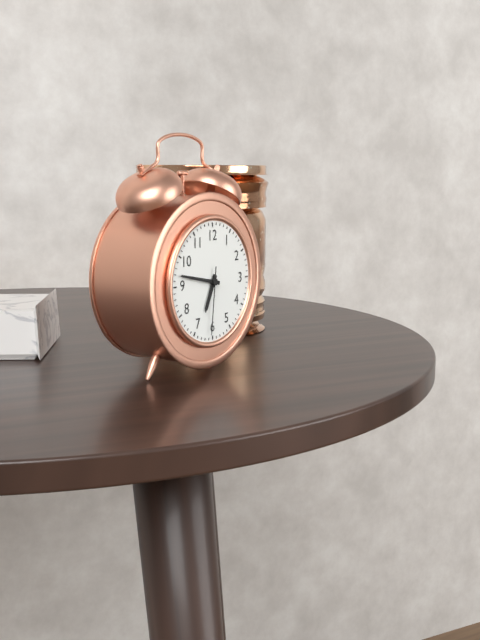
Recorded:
6 h 47 min 31 s
